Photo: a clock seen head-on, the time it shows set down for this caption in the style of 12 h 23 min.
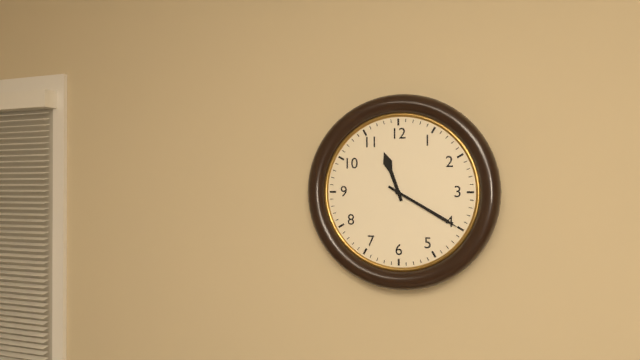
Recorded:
11 h 20 min
